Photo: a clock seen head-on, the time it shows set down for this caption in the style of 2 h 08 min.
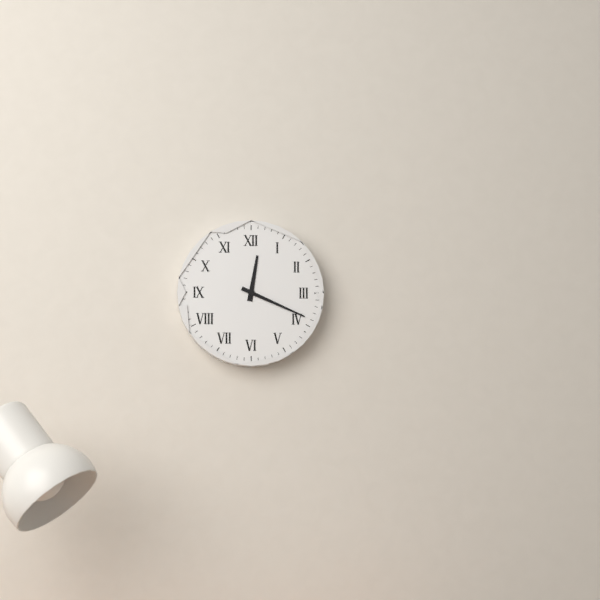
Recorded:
12 h 19 min
